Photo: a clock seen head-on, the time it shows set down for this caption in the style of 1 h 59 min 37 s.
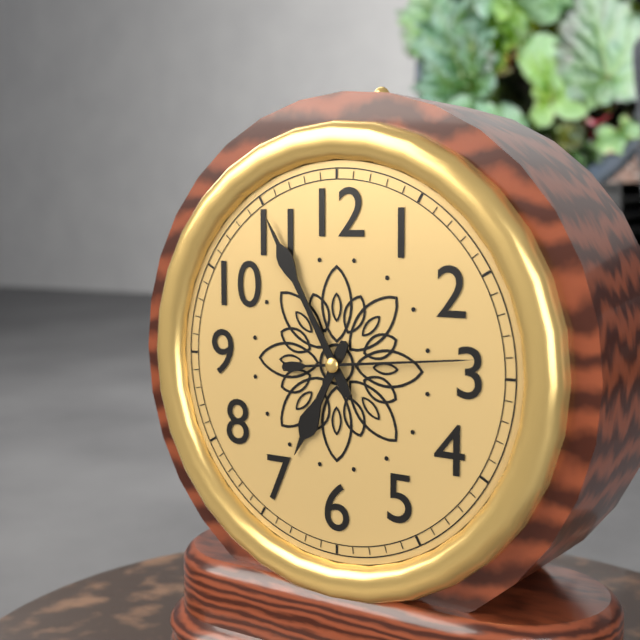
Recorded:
6 h 55 min 14 s
